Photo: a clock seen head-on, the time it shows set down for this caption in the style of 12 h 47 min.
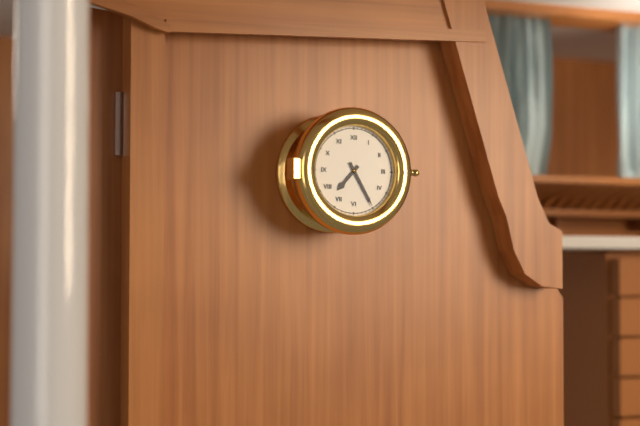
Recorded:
7 h 25 min
